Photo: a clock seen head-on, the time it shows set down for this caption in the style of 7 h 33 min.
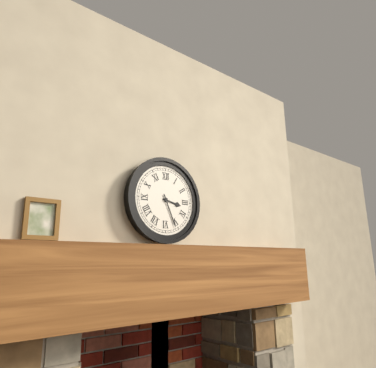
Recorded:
3 h 26 min
